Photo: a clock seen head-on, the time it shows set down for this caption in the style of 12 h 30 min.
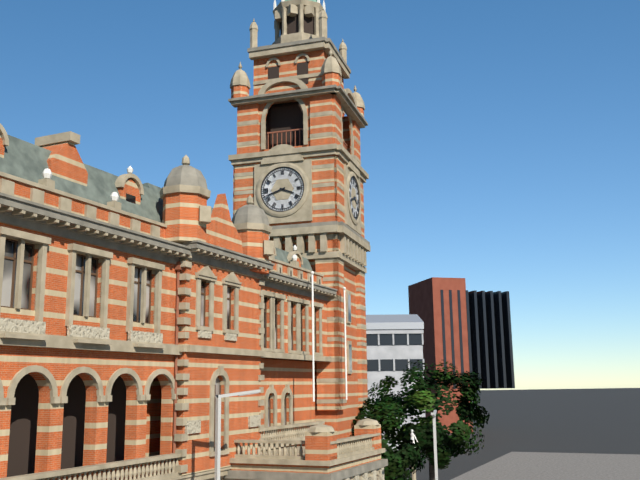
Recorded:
3 h 42 min
